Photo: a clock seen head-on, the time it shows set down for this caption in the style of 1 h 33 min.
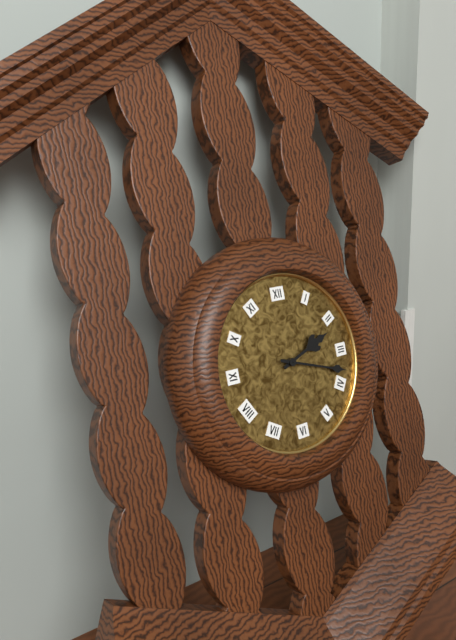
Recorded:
2 h 18 min
